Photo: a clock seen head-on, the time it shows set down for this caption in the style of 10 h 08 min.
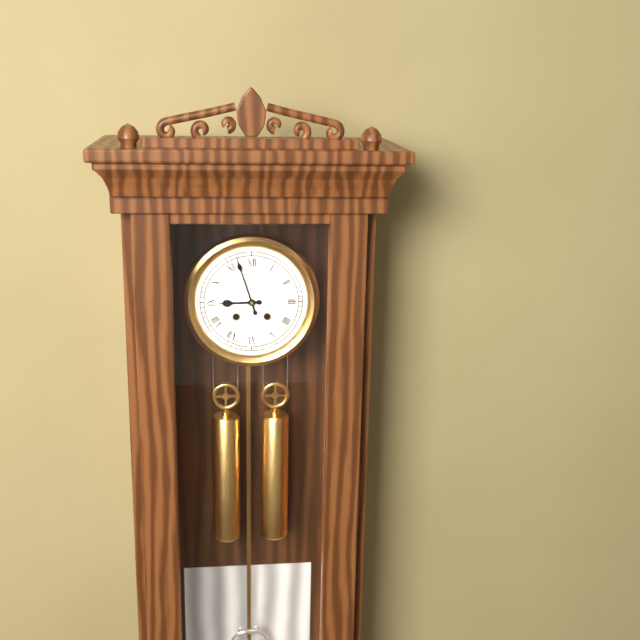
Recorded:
8 h 57 min
